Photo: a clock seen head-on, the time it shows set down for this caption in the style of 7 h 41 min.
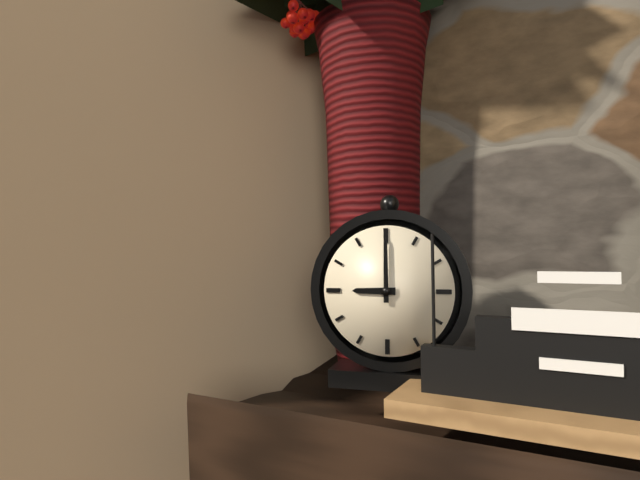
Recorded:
9 h 00 min
